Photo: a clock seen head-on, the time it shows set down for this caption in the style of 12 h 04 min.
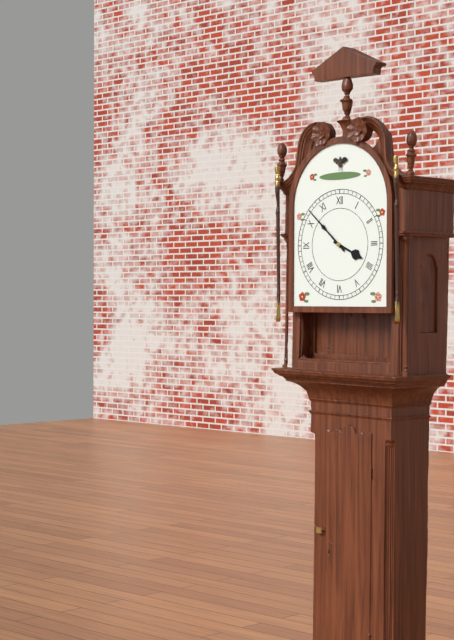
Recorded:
3 h 52 min
